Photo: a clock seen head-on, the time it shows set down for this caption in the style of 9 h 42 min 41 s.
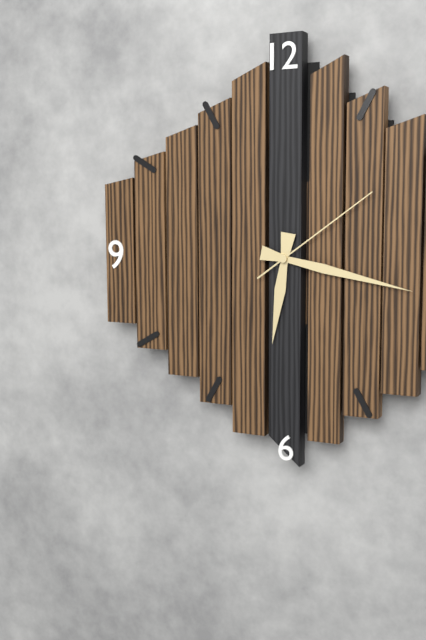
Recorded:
6 h 17 min 09 s
